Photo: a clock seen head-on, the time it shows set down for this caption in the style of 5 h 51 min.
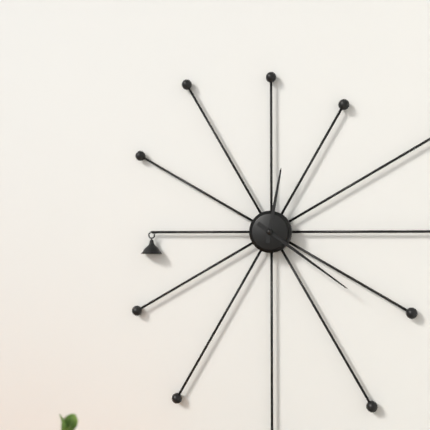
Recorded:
12 h 21 min
